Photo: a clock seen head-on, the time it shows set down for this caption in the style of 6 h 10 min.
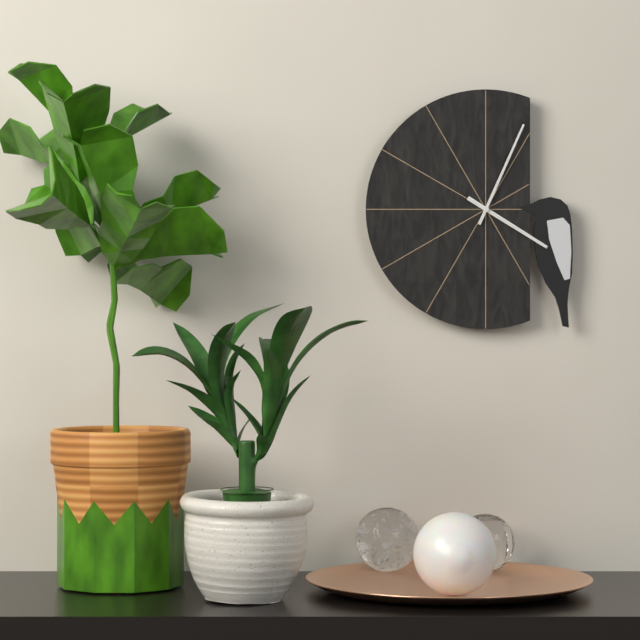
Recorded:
4 h 04 min
